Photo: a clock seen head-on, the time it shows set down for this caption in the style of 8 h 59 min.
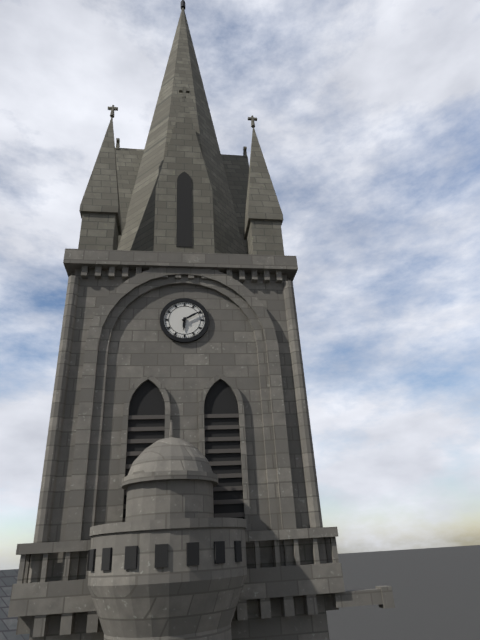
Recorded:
6 h 10 min
